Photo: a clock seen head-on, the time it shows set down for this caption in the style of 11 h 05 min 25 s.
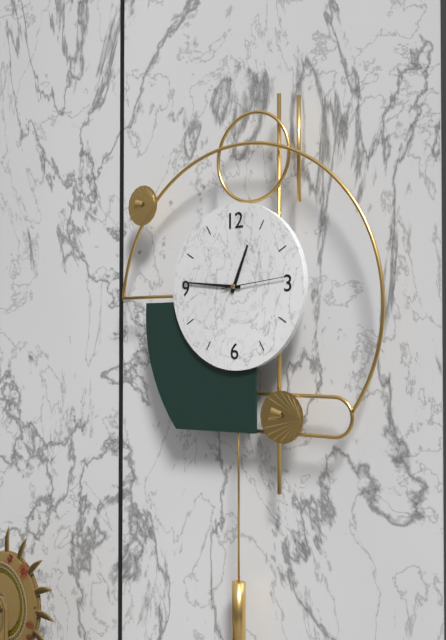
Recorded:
12 h 46 min 14 s
